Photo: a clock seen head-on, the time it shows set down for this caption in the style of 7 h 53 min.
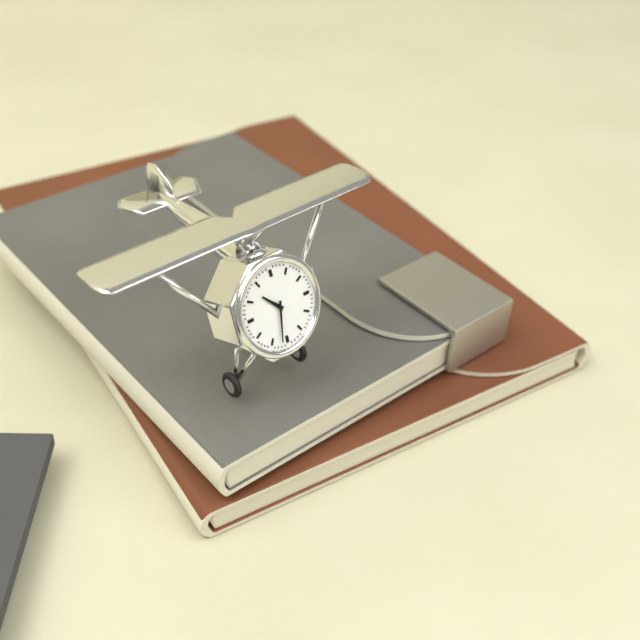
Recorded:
10 h 32 min
